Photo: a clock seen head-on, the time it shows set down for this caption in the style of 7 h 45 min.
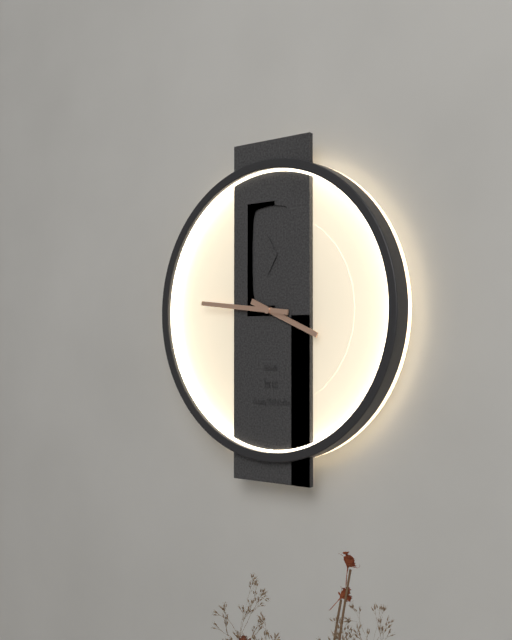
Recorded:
3 h 46 min
